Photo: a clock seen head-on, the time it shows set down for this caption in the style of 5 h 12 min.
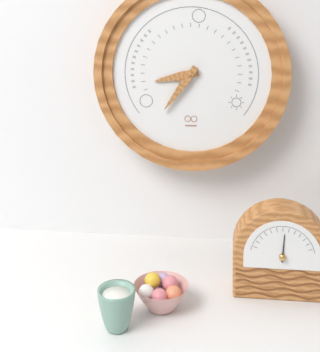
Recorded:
8 h 36 min
